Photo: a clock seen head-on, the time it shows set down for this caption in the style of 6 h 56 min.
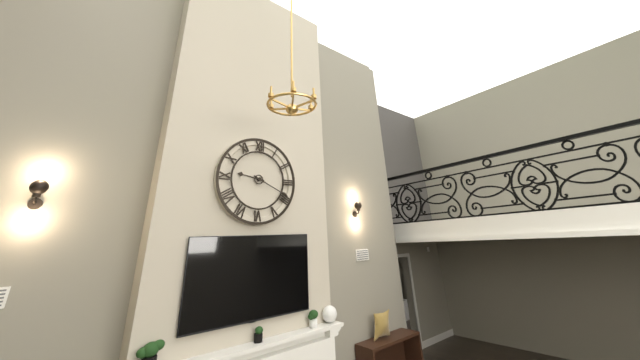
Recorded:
9 h 19 min
